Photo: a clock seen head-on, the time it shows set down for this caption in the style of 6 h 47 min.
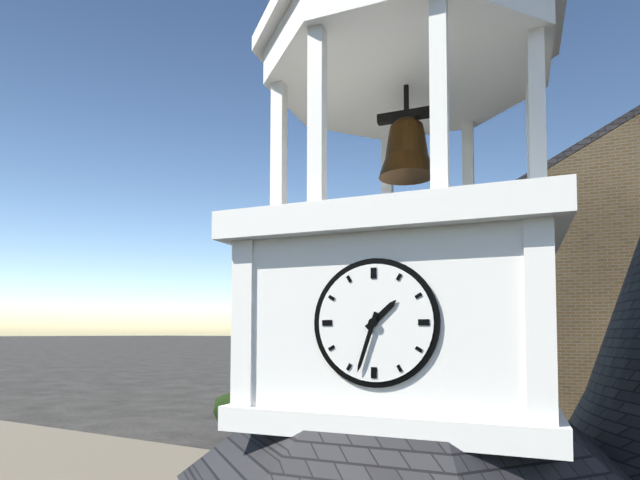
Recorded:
1 h 33 min
